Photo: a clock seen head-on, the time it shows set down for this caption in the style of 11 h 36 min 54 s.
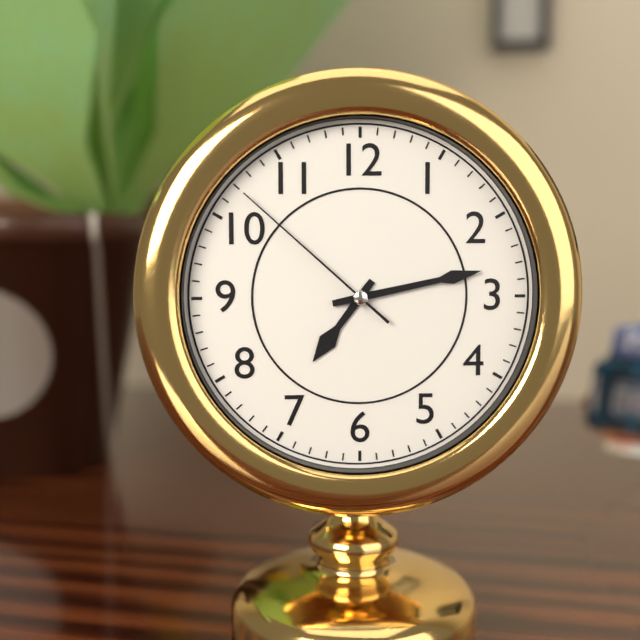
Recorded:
7 h 13 min 52 s
